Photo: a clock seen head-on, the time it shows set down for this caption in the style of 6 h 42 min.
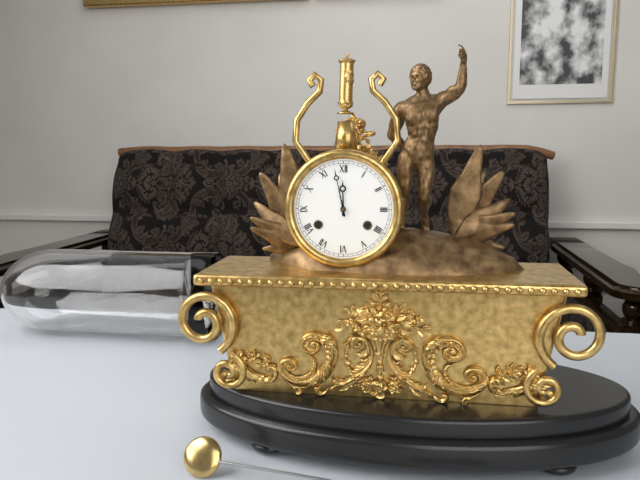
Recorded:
11 h 58 min
